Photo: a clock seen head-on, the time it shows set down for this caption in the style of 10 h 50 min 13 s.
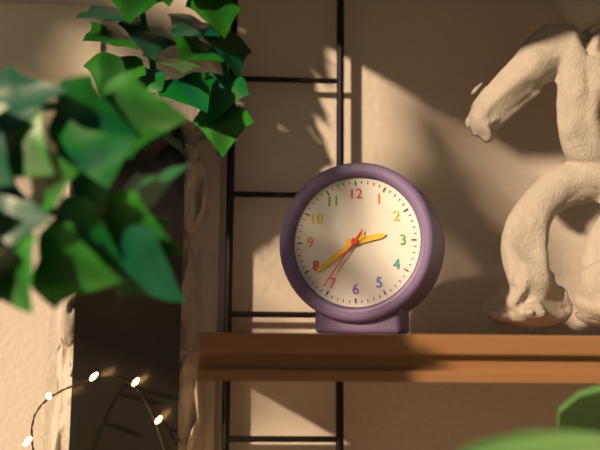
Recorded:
2 h 39 min 36 s
